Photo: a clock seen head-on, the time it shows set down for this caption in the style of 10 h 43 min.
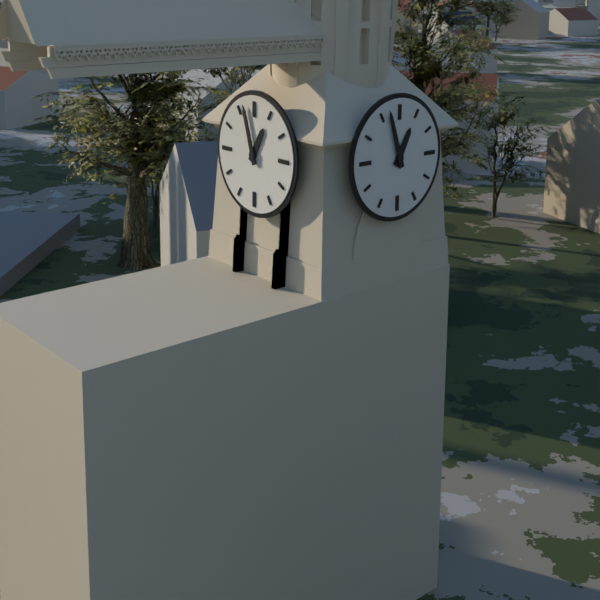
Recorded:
12 h 57 min
